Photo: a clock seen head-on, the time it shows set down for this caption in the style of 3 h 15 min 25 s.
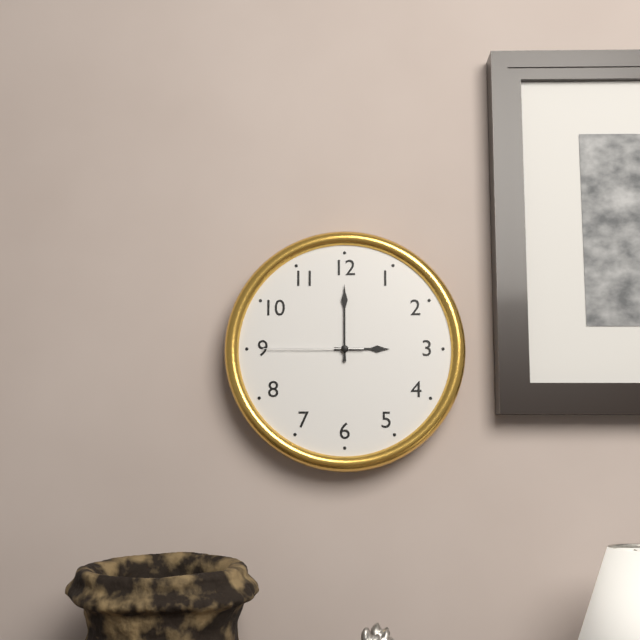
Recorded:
3 h 00 min 45 s
